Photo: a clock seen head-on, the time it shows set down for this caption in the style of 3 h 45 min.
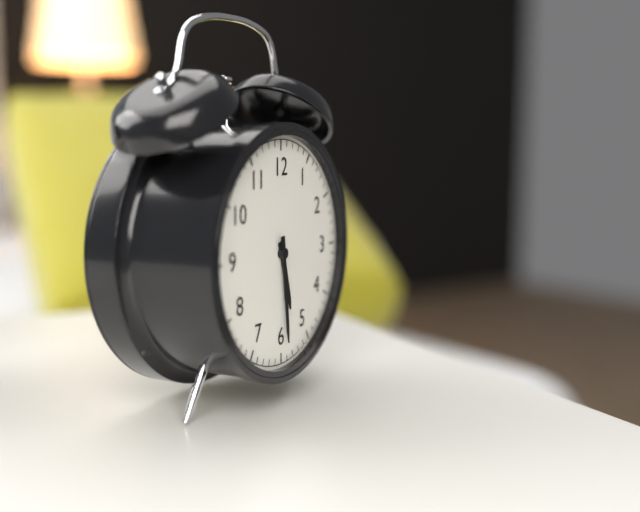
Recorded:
5 h 29 min
